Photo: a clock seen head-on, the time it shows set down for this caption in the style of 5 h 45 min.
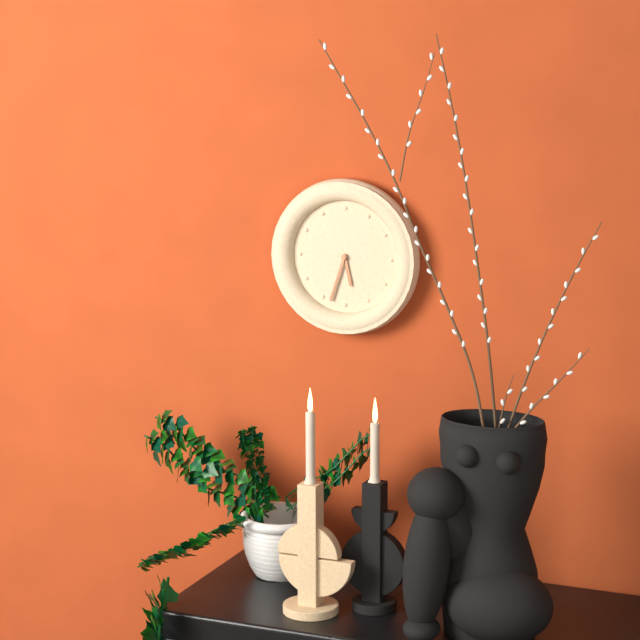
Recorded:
5 h 33 min
